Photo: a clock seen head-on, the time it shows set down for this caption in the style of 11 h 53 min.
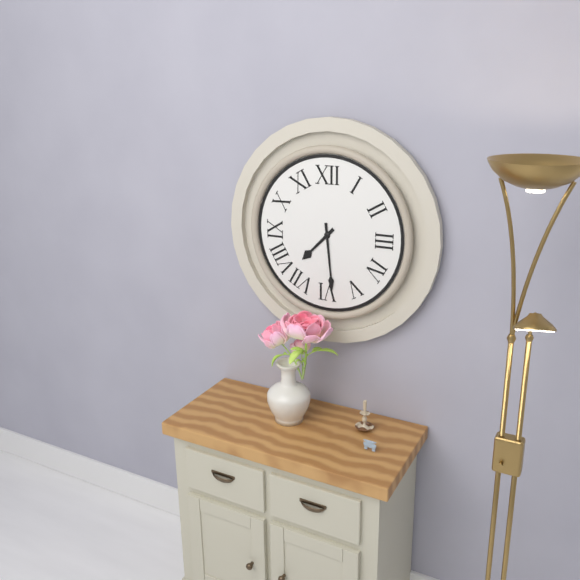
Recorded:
7 h 29 min
